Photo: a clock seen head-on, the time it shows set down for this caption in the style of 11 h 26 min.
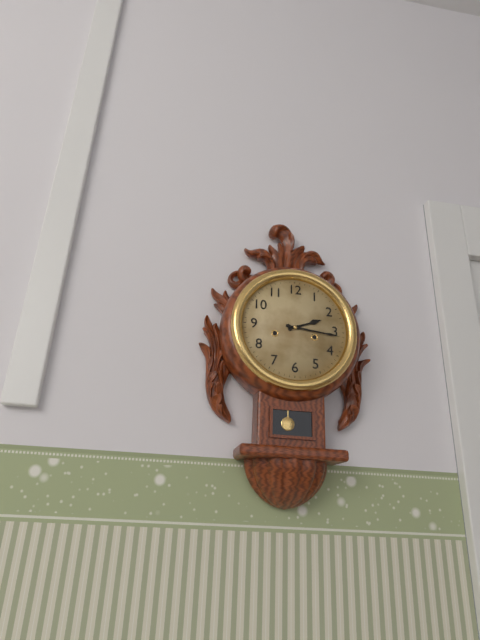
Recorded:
2 h 16 min
